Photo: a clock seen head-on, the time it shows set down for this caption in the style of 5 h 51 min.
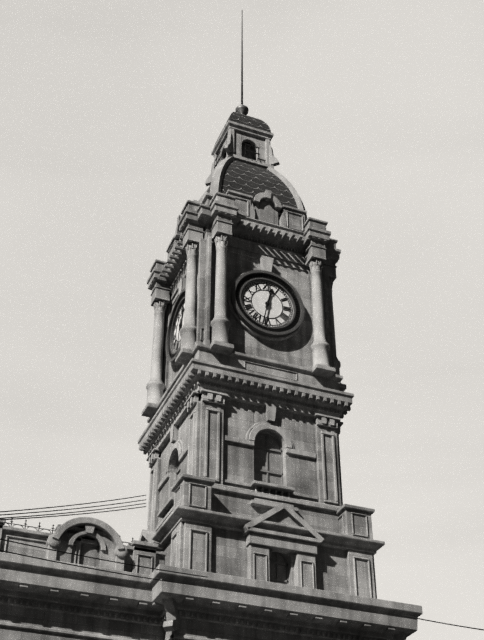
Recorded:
12 h 32 min
